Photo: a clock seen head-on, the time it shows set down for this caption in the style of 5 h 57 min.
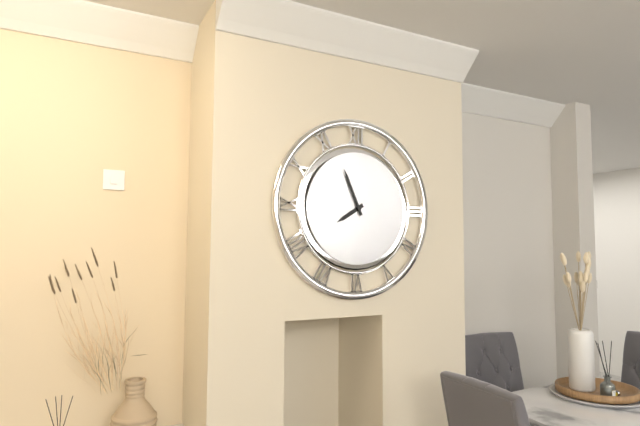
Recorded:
7 h 56 min
